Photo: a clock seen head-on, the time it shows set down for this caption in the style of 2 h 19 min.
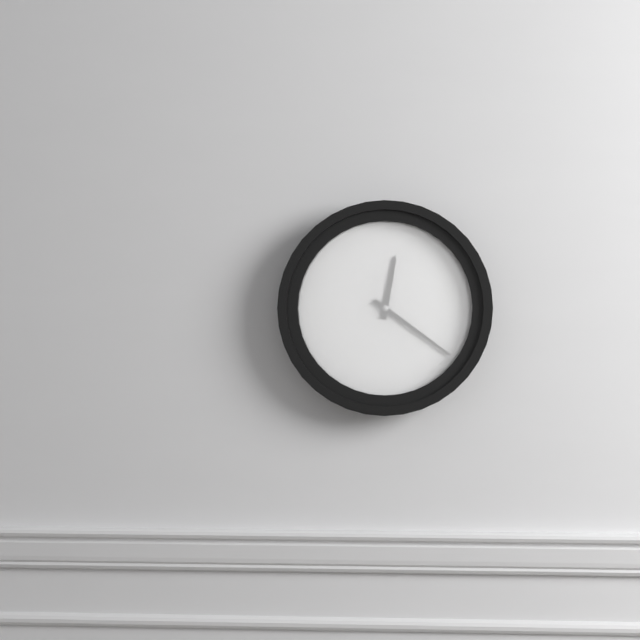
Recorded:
12 h 21 min
